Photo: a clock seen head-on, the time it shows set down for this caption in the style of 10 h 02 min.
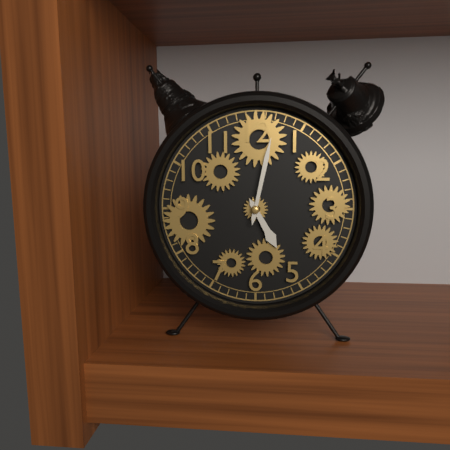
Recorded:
5 h 02 min
